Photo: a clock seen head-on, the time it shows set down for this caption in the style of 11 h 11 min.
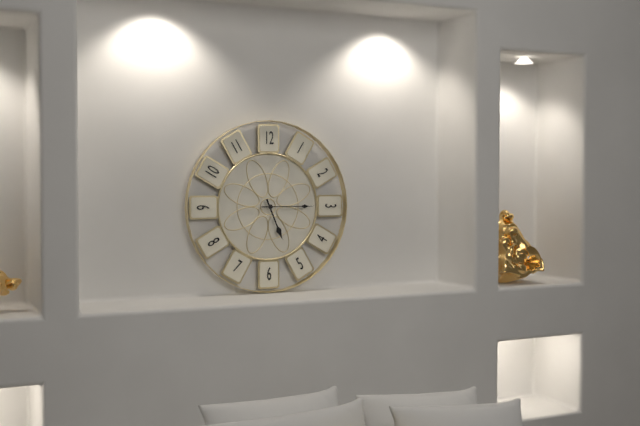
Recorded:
5 h 15 min
